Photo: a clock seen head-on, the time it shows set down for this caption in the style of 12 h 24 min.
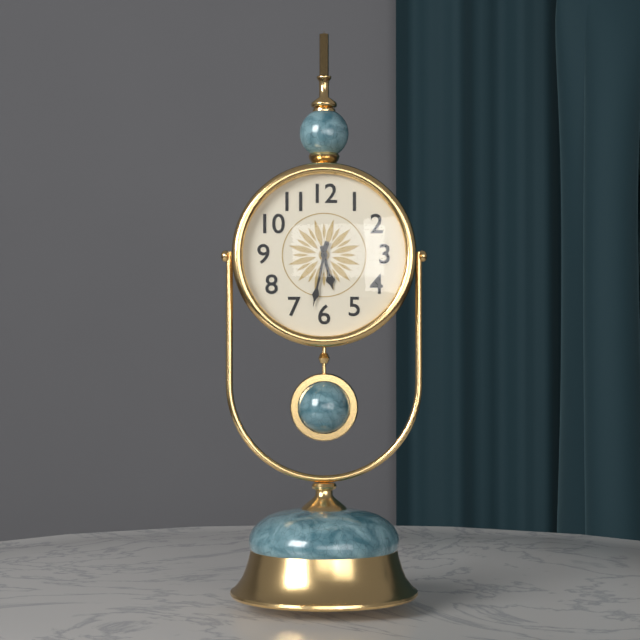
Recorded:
5 h 32 min
